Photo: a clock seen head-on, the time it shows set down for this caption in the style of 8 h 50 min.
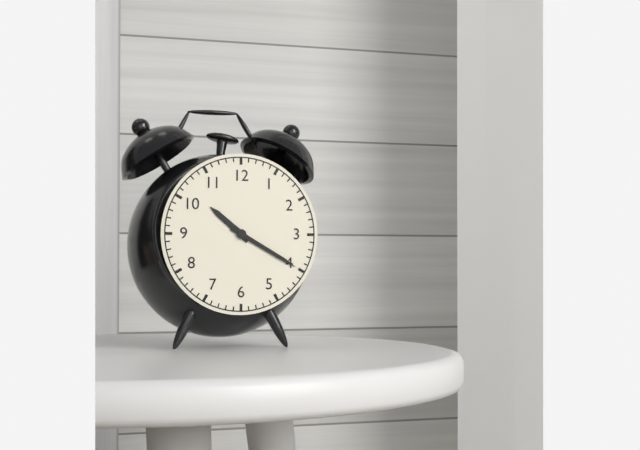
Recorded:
10 h 20 min
